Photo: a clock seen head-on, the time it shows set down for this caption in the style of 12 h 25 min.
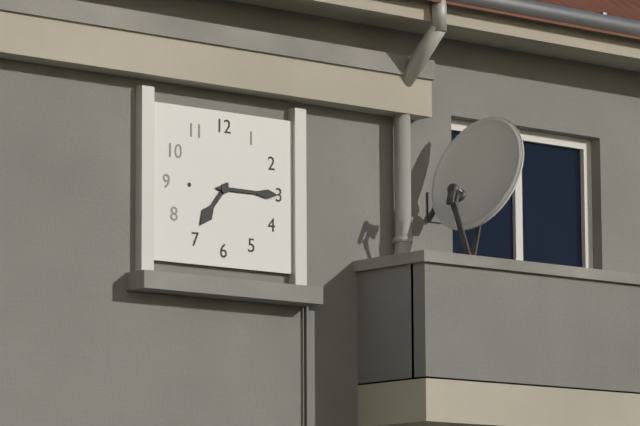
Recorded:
7 h 15 min
